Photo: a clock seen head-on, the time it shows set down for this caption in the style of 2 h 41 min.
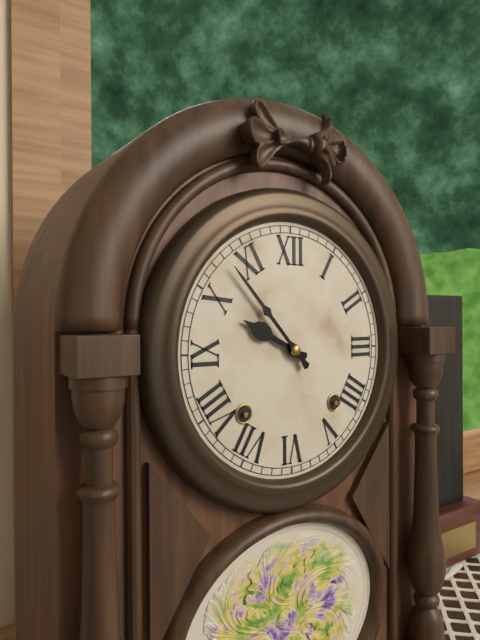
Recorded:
9 h 53 min
